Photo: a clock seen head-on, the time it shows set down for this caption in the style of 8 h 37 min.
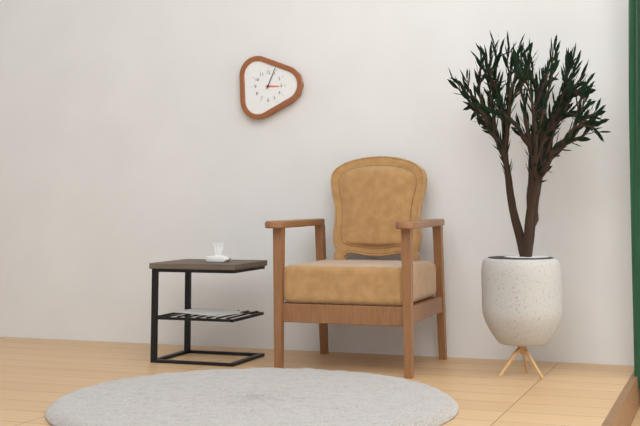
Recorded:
3 h 04 min
